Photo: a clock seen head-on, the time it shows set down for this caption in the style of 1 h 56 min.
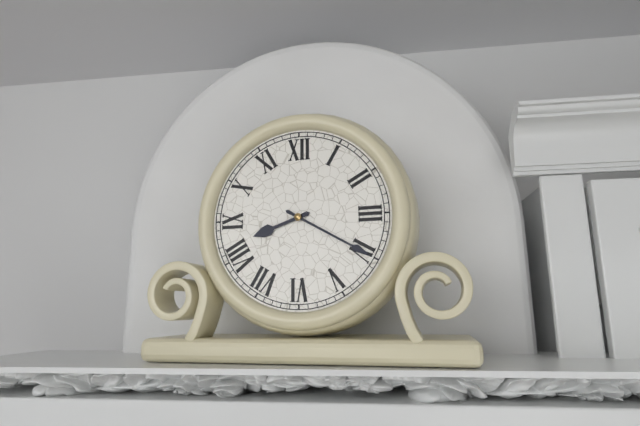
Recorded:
8 h 20 min
